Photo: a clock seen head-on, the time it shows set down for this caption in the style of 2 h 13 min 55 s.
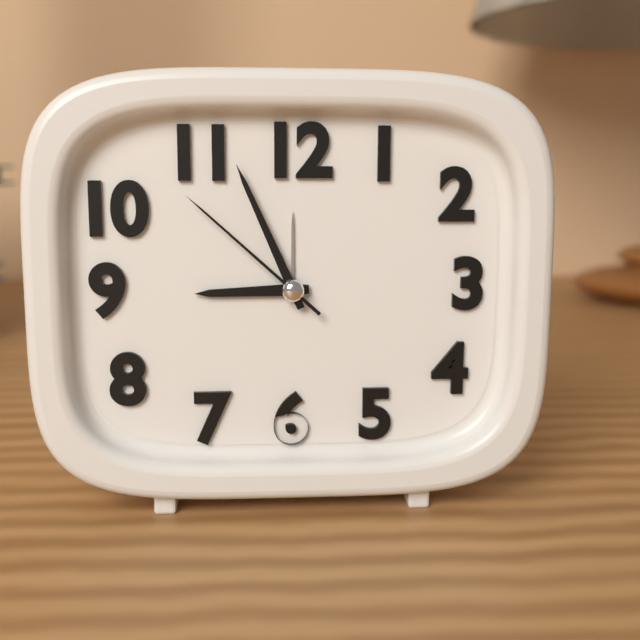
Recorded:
8 h 56 min 52 s
